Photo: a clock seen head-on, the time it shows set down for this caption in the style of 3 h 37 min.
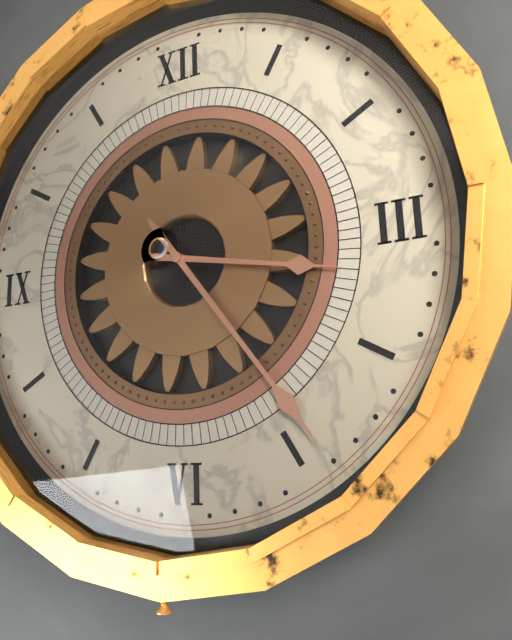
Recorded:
3 h 24 min
